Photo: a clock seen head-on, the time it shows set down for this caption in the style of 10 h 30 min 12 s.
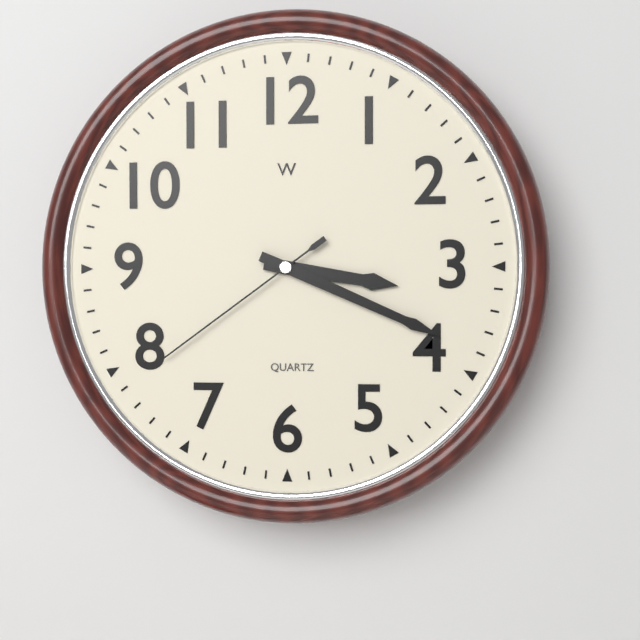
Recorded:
3 h 19 min 39 s
